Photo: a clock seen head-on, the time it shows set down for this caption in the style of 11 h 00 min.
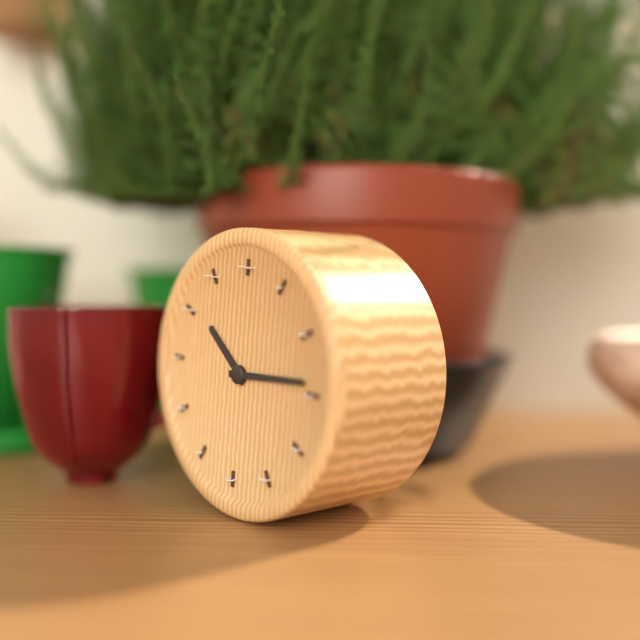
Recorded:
10 h 14 min
